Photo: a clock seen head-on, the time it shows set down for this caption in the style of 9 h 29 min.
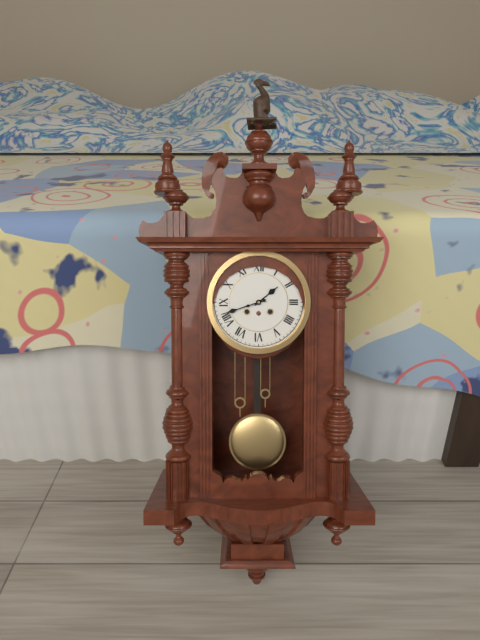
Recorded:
1 h 42 min
